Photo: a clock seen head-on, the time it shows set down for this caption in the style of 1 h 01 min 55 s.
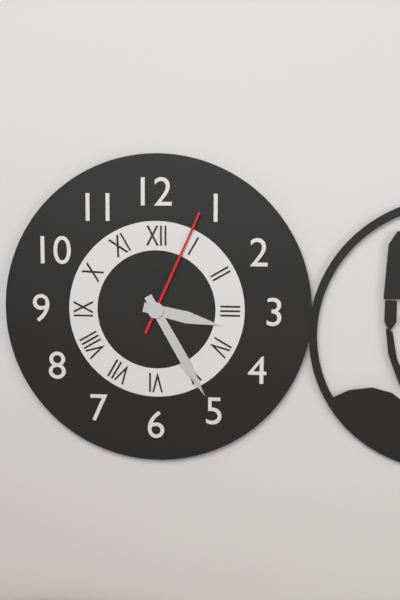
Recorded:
3 h 25 min 04 s
